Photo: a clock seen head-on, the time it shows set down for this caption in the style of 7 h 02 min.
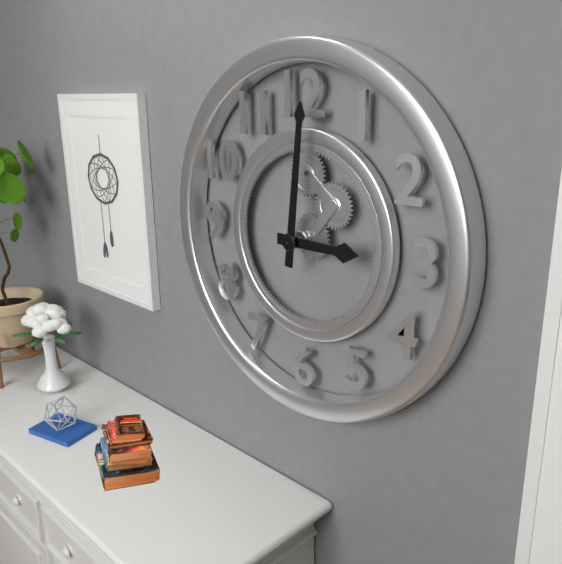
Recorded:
3 h 01 min
